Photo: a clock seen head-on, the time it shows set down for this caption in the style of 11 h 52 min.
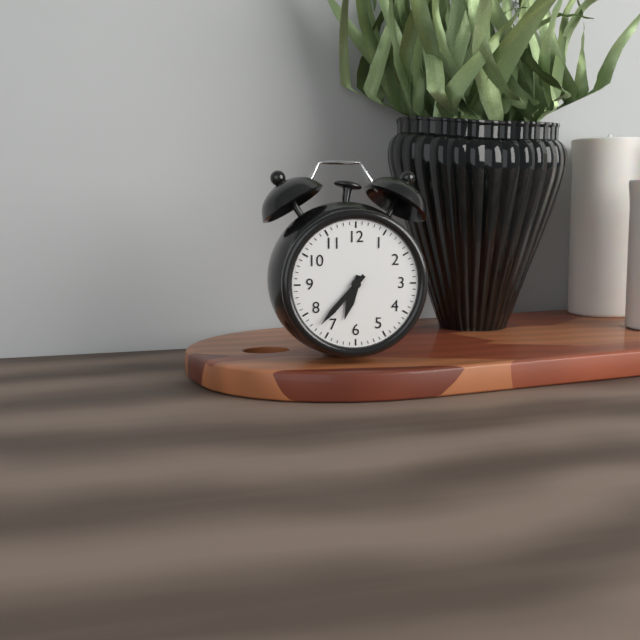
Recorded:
6 h 37 min
